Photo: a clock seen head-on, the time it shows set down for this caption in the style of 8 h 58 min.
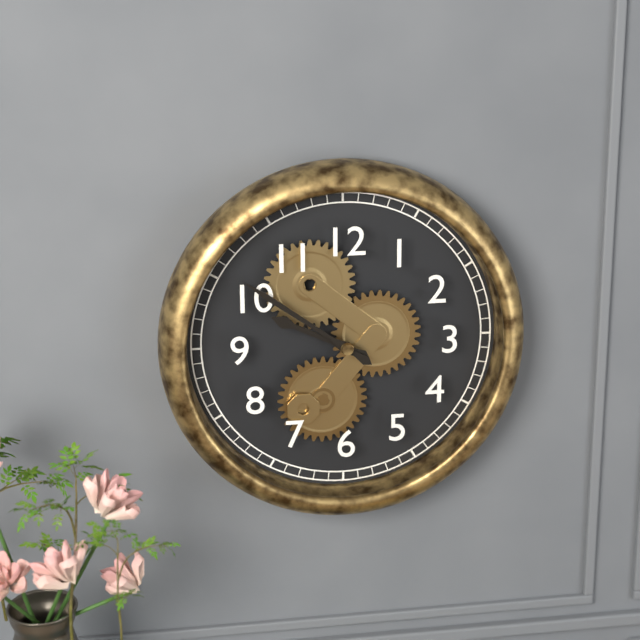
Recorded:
9 h 51 min
